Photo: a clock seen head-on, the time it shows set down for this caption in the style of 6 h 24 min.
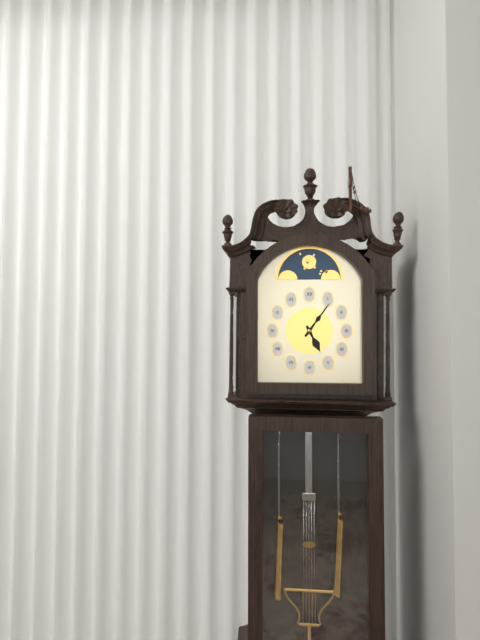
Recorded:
5 h 06 min
